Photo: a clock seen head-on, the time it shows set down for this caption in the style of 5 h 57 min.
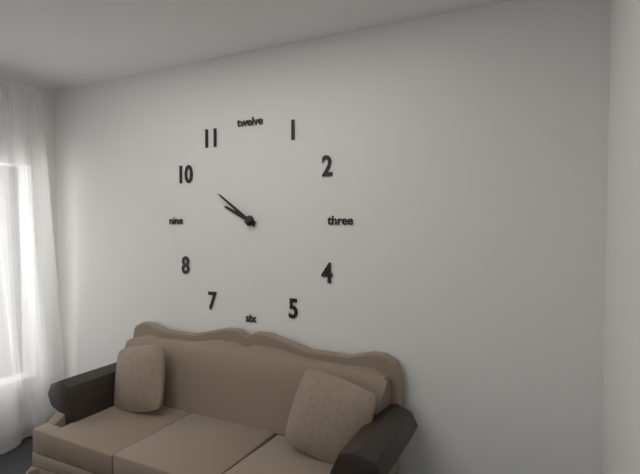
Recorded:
9 h 51 min
